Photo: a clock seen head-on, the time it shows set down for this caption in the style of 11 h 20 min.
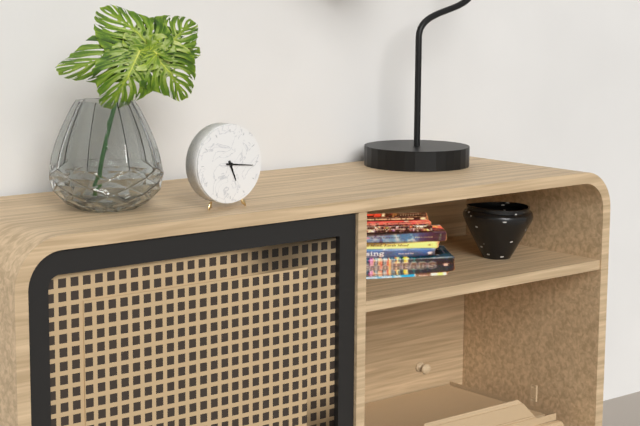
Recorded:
5 h 16 min
